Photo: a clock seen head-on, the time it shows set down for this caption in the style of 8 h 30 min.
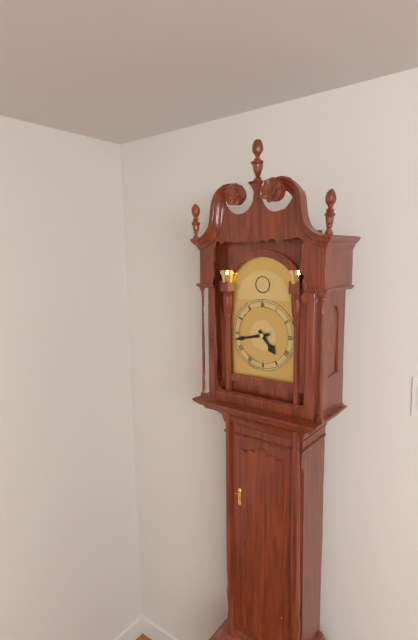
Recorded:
4 h 43 min
